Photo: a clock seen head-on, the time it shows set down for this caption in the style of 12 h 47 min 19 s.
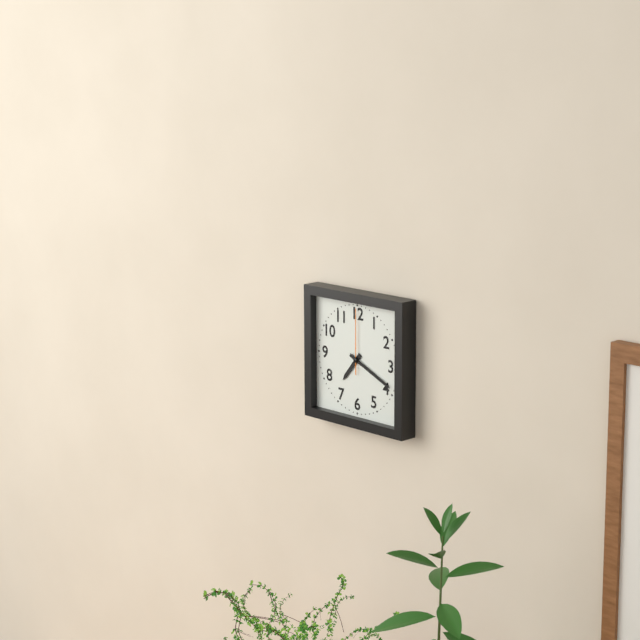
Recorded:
7 h 19 min 00 s
